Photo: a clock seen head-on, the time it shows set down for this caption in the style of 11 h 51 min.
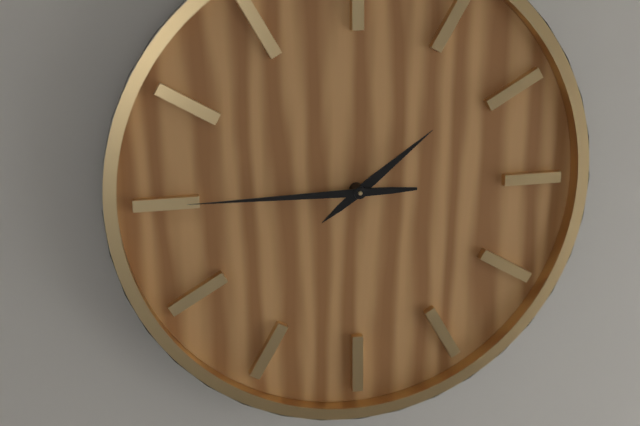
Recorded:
1 h 45 min
